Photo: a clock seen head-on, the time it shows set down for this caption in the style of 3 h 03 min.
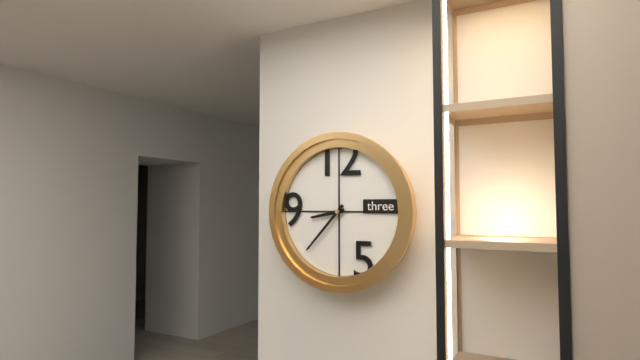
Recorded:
8 h 37 min
